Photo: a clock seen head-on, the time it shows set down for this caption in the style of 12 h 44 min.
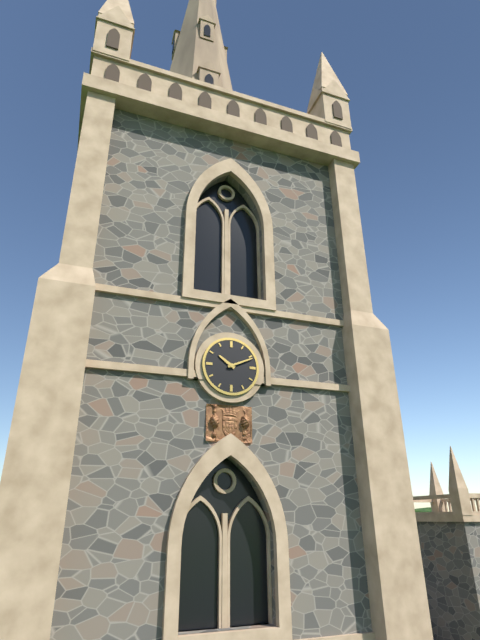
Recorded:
10 h 11 min
